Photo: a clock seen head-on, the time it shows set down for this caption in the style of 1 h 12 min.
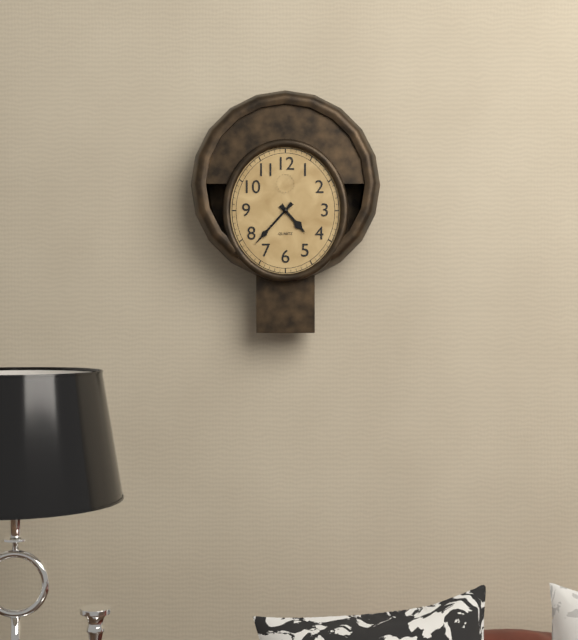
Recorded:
4 h 37 min
